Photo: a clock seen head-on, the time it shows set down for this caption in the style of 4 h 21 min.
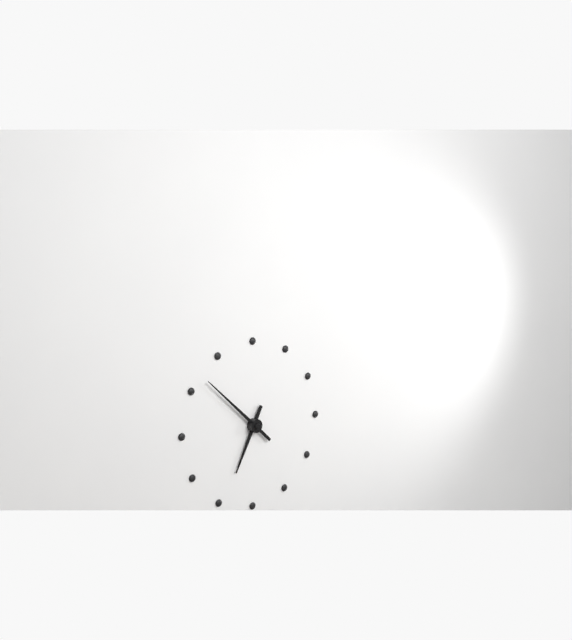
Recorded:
6 h 52 min
